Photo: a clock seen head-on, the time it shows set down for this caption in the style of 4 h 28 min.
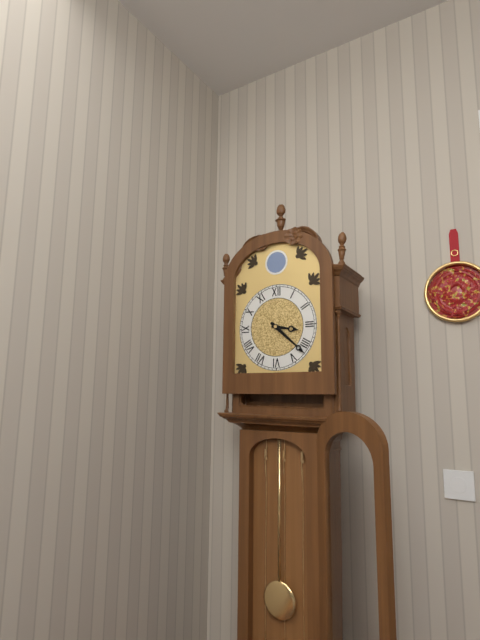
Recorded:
3 h 22 min
